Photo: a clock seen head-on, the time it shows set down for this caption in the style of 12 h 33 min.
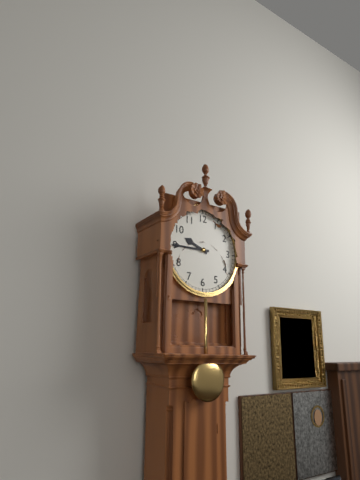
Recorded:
9 h 45 min
